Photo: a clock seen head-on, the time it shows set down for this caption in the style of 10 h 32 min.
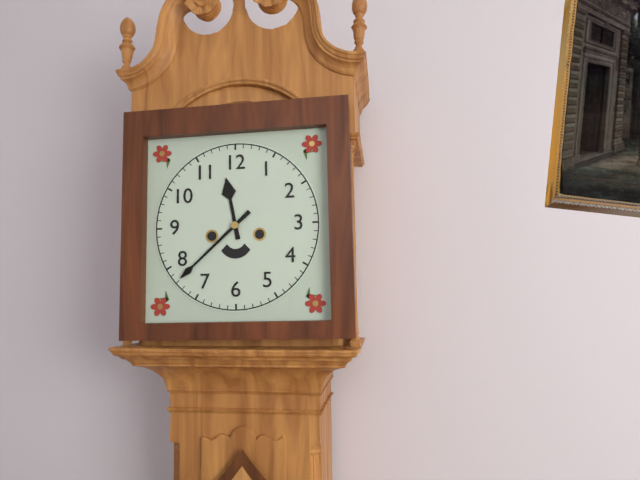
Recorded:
11 h 38 min
